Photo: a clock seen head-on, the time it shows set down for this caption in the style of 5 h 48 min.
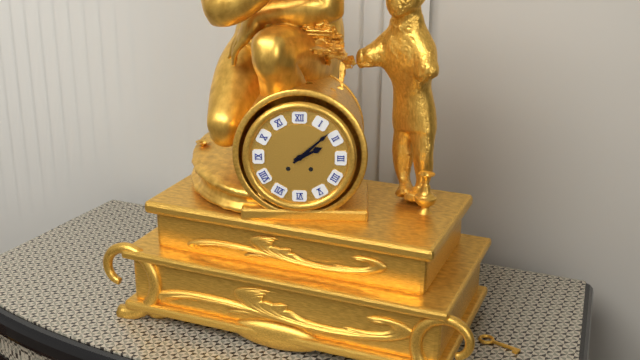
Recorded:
2 h 08 min
